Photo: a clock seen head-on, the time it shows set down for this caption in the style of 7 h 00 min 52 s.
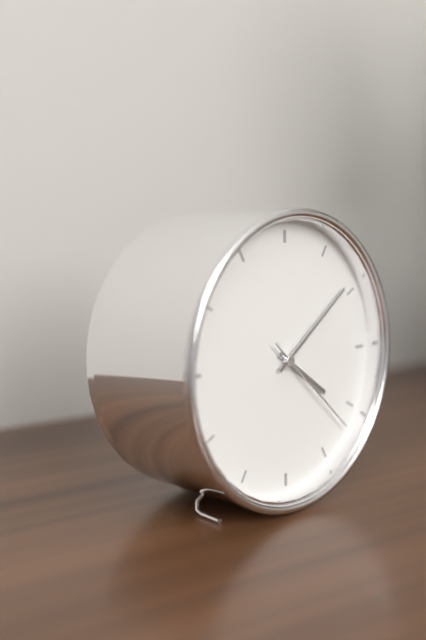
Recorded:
4 h 09 min 22 s
